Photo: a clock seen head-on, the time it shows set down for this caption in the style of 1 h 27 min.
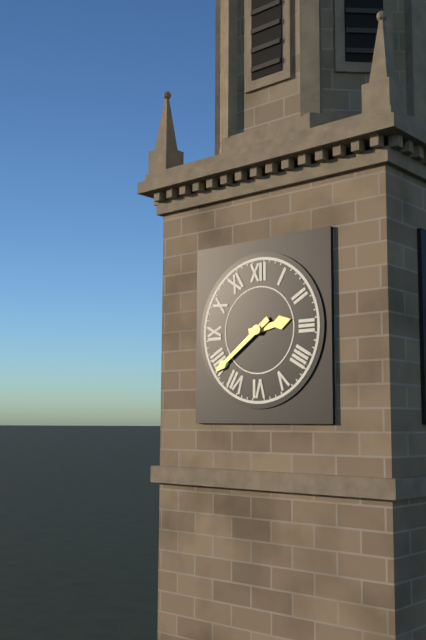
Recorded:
2 h 39 min
